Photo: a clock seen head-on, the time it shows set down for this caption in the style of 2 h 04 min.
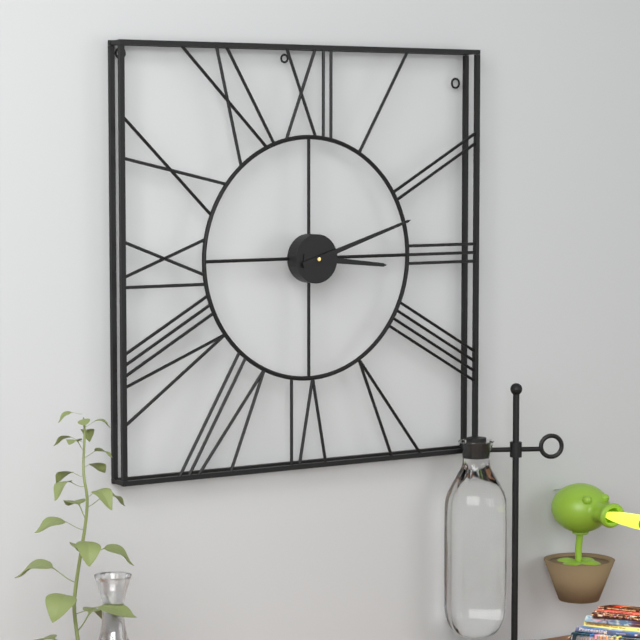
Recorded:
3 h 12 min
